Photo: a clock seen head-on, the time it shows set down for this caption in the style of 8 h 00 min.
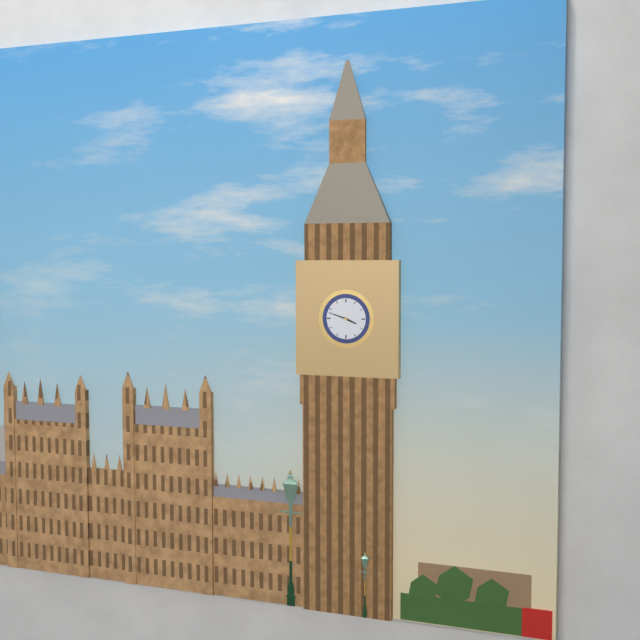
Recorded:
3 h 48 min
